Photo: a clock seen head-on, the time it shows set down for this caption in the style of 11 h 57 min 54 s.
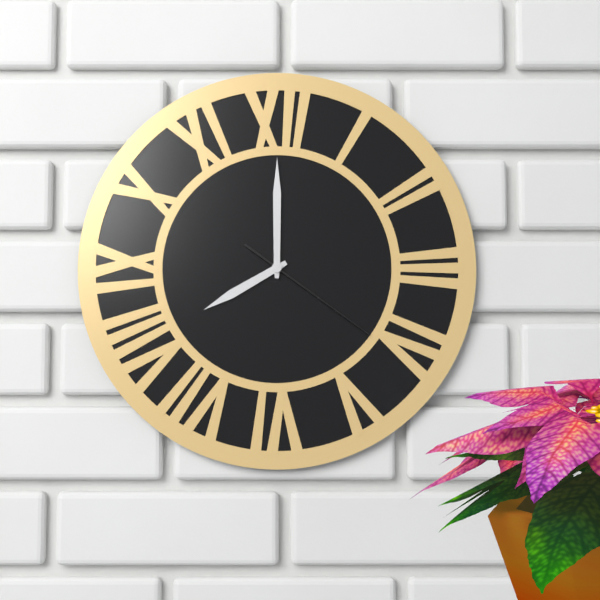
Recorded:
8 h 00 min 21 s
